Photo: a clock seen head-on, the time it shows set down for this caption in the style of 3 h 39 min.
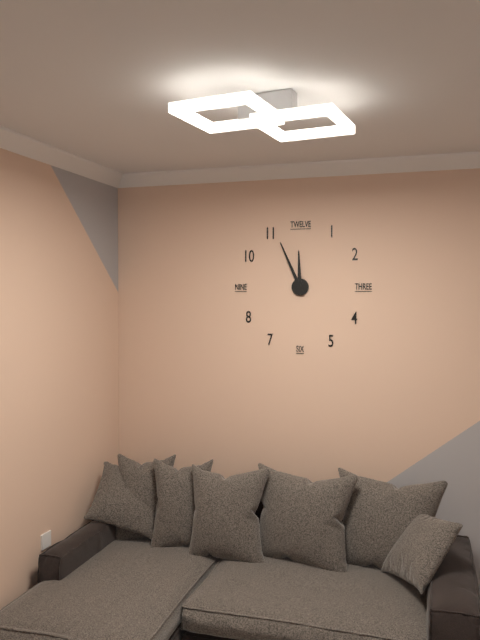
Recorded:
11 h 56 min
